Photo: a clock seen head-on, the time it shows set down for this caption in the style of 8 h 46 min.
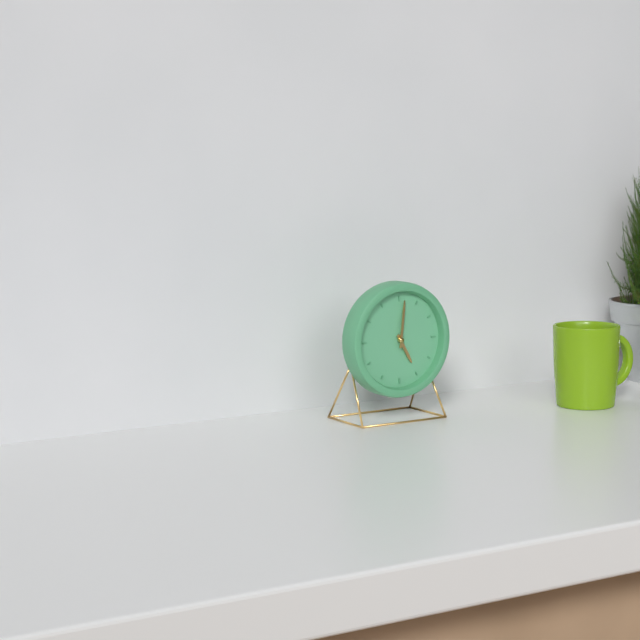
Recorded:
5 h 01 min
